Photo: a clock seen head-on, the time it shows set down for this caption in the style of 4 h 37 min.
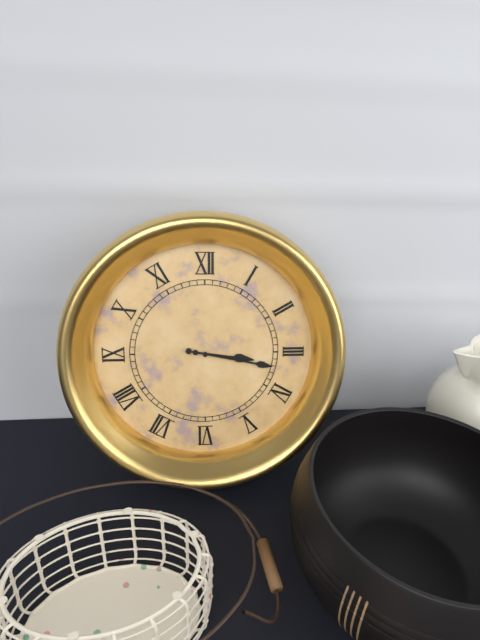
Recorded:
3 h 17 min
